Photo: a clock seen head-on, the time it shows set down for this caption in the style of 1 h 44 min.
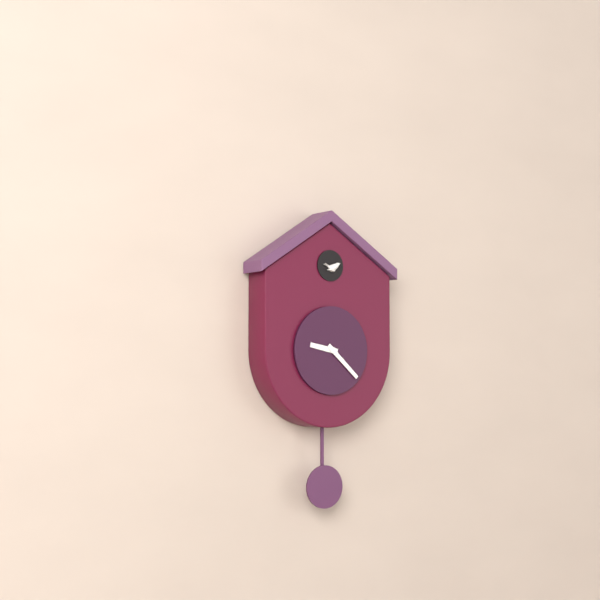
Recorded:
9 h 22 min
